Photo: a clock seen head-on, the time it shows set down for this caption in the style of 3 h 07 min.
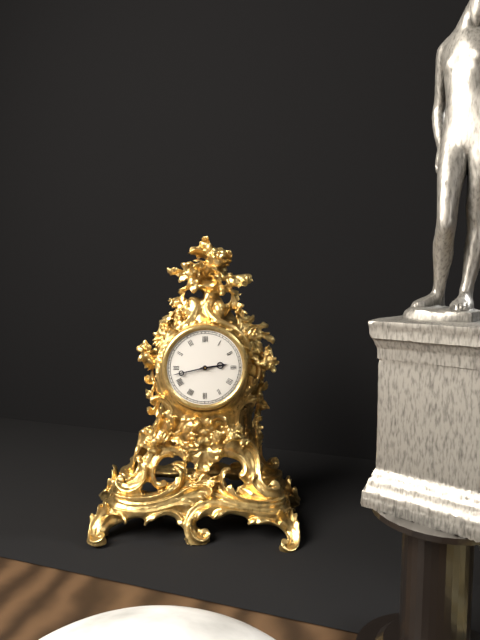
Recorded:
2 h 43 min
